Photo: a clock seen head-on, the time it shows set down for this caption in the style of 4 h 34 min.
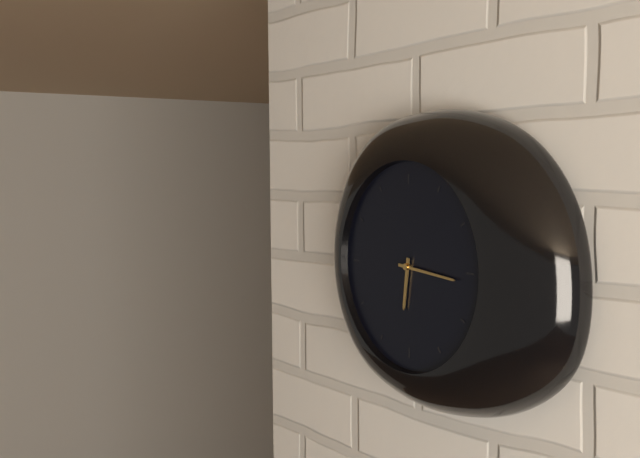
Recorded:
6 h 16 min
